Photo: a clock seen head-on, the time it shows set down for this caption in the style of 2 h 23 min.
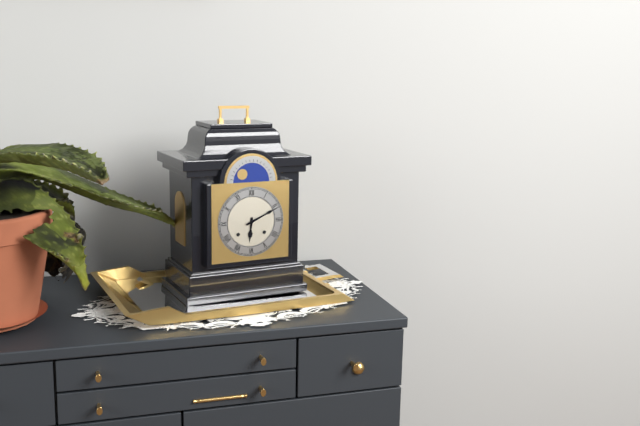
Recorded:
6 h 11 min
